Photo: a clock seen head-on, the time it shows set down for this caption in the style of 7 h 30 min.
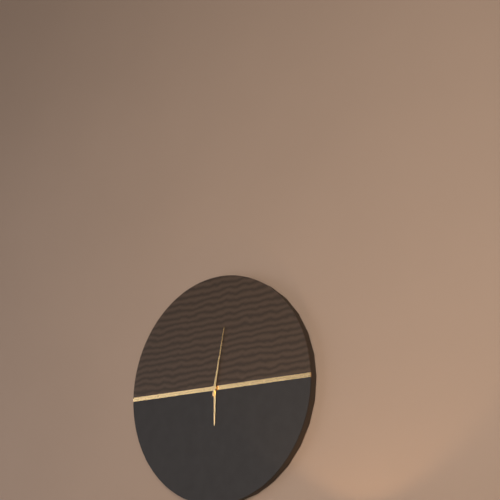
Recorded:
6 h 02 min
